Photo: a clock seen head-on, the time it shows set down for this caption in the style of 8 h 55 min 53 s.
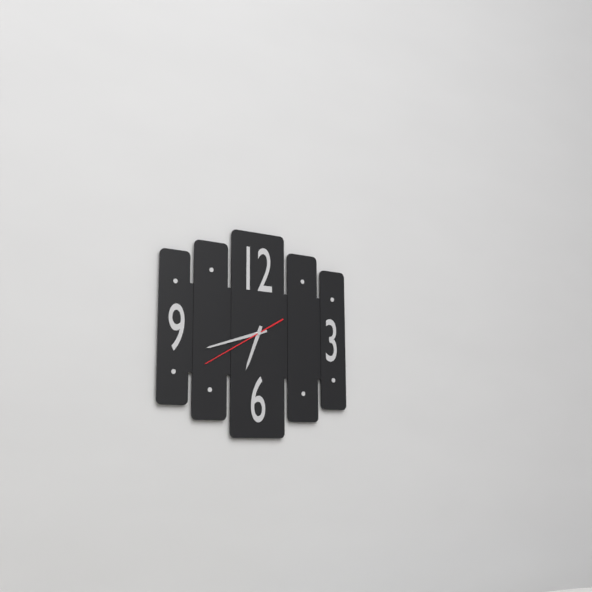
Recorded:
6 h 42 min 40 s
